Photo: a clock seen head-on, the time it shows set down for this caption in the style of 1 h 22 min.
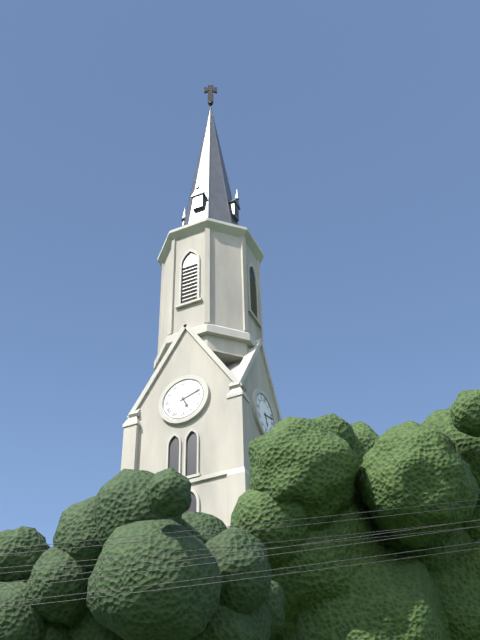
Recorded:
5 h 12 min
